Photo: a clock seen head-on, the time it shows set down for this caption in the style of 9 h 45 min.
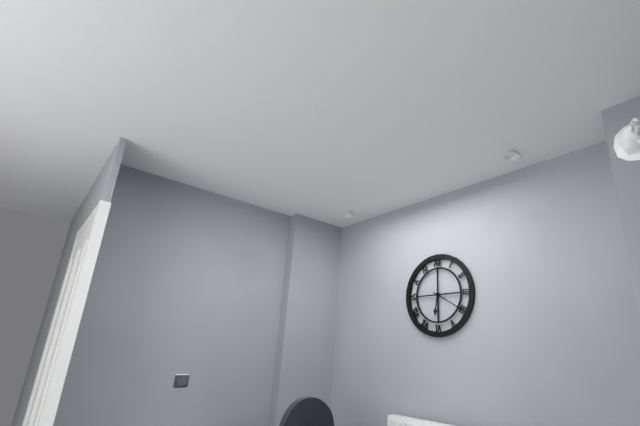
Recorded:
6 h 20 min
